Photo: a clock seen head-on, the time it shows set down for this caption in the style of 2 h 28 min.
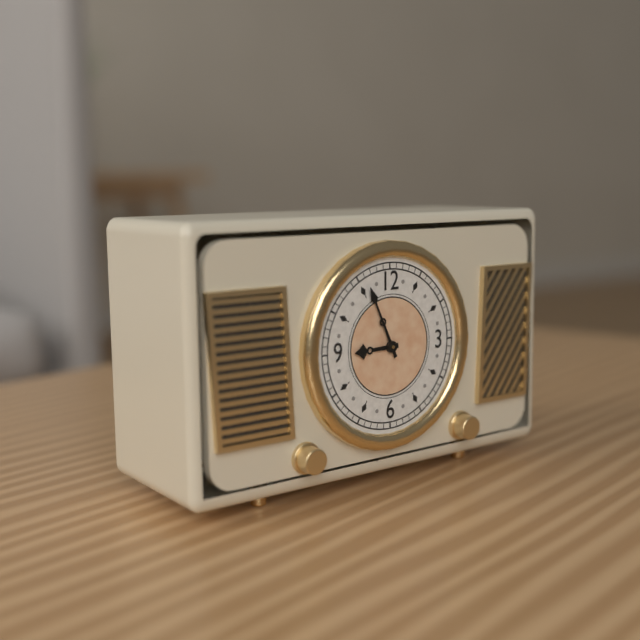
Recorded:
8 h 56 min
